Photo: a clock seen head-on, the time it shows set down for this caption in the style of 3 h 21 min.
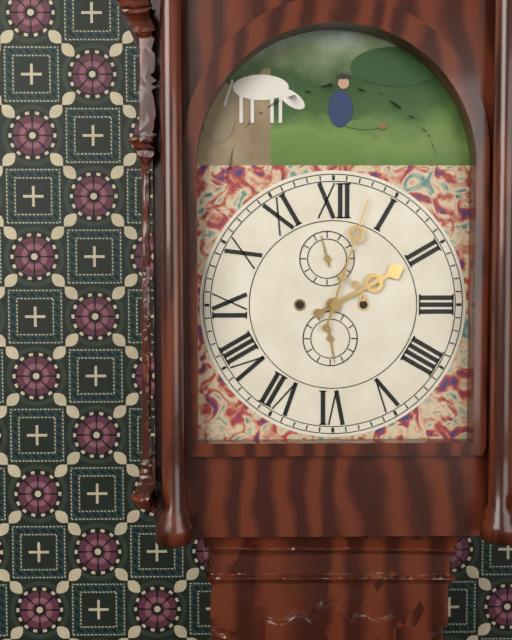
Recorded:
2 h 03 min
